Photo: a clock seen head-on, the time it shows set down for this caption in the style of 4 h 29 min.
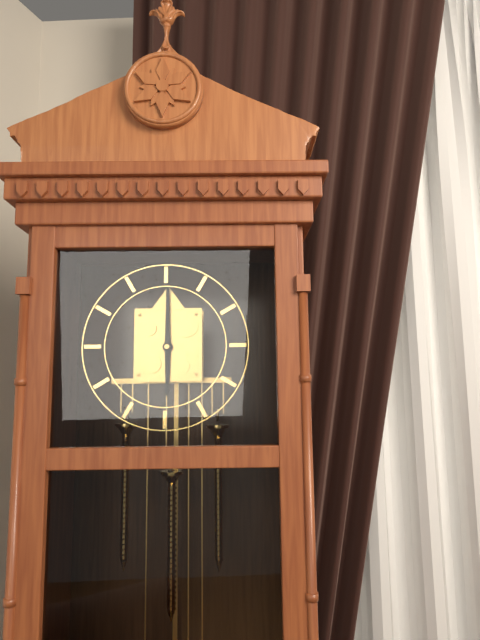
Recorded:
6 h 00 min
